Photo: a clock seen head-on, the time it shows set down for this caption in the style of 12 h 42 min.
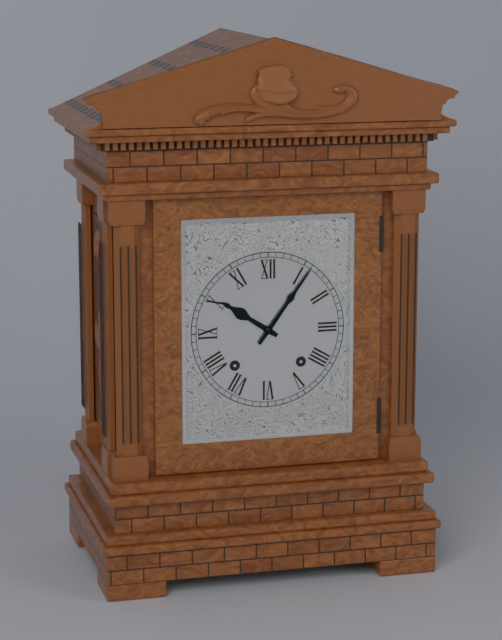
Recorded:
10 h 06 min
